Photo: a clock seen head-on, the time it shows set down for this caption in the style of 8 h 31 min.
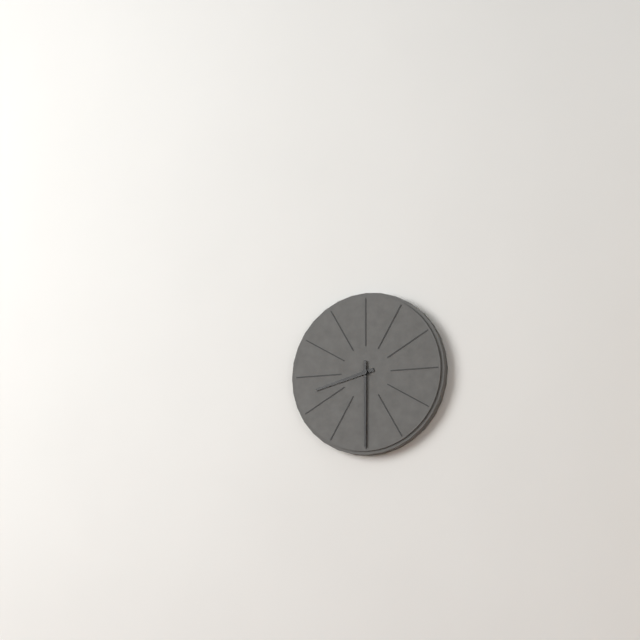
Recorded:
8 h 30 min
